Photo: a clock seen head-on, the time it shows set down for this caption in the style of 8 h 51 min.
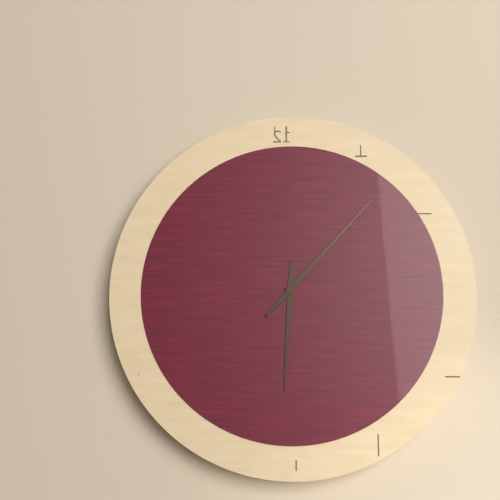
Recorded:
6 h 07 min
